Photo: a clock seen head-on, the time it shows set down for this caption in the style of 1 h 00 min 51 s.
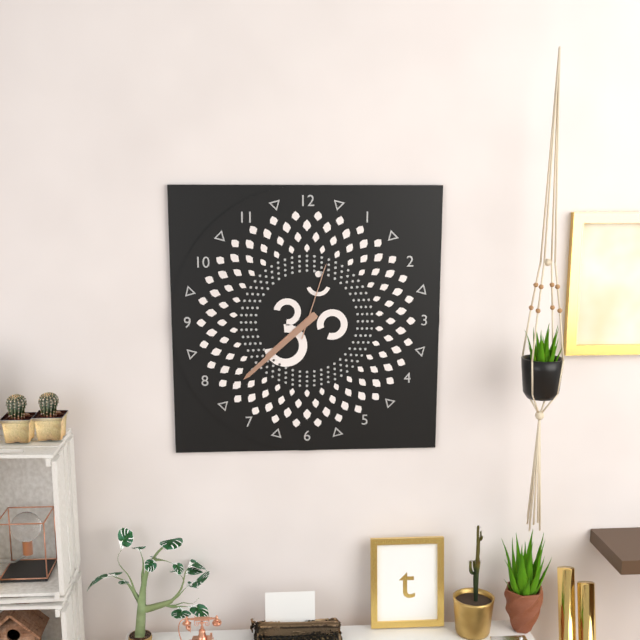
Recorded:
7 h 38 min 03 s
